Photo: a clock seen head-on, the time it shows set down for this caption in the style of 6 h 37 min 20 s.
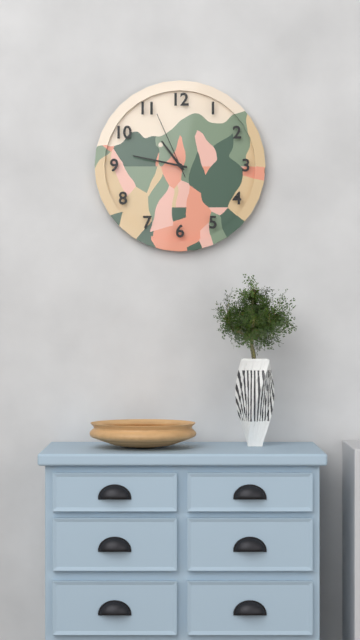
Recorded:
10 h 47 min 56 s
